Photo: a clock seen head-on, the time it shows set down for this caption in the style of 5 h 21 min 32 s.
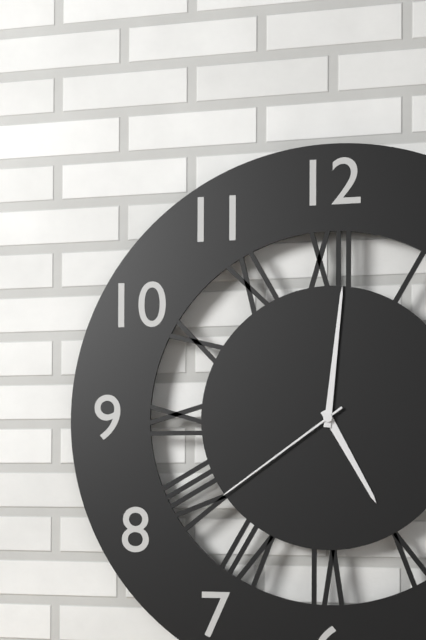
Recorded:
5 h 01 min 39 s
